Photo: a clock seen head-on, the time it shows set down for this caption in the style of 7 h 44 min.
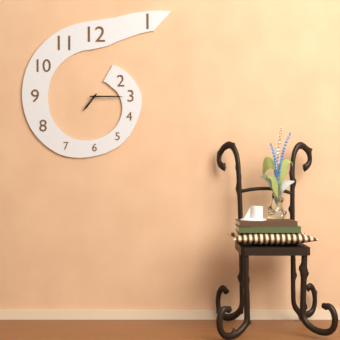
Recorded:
7 h 15 min
